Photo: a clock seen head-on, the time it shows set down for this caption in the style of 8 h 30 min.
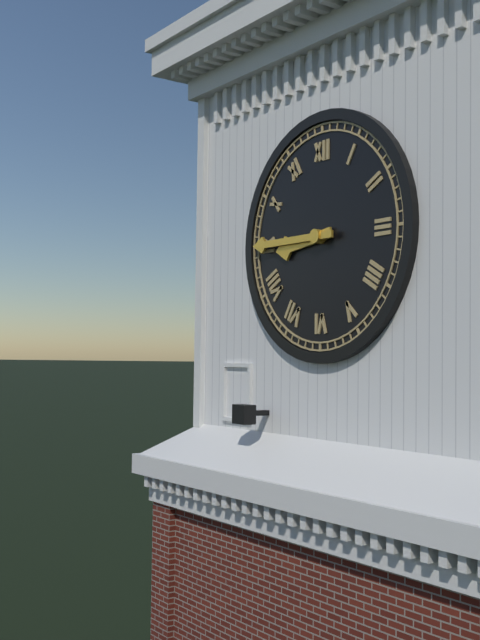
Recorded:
8 h 45 min
